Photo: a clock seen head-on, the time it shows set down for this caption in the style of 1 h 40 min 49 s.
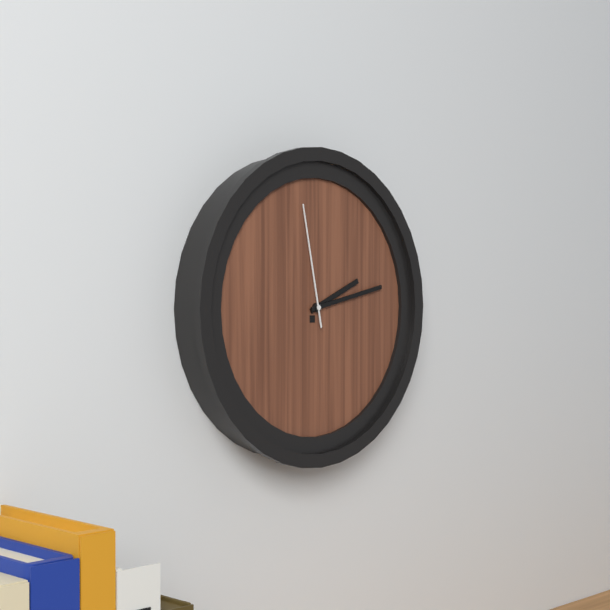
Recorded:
2 h 13 min 58 s
